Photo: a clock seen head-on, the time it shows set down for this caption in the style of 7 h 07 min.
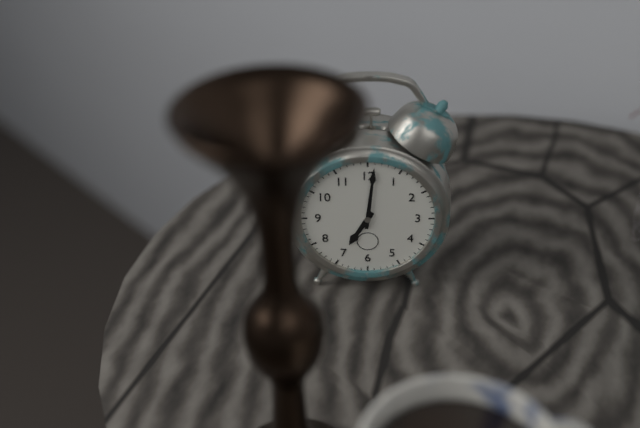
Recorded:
7 h 01 min
